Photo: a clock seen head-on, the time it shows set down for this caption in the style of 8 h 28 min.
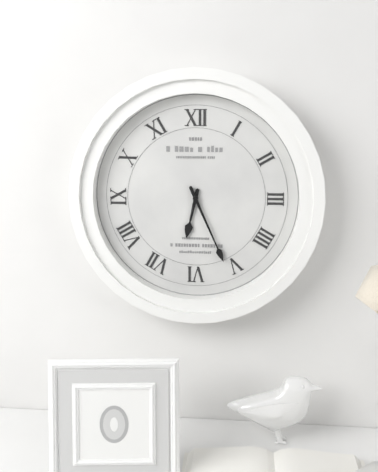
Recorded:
6 h 26 min
